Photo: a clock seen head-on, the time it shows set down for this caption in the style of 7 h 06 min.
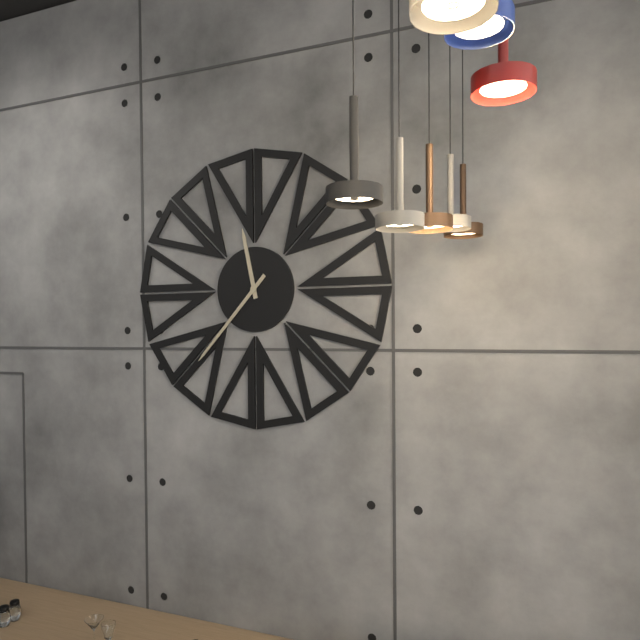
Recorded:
11 h 37 min
